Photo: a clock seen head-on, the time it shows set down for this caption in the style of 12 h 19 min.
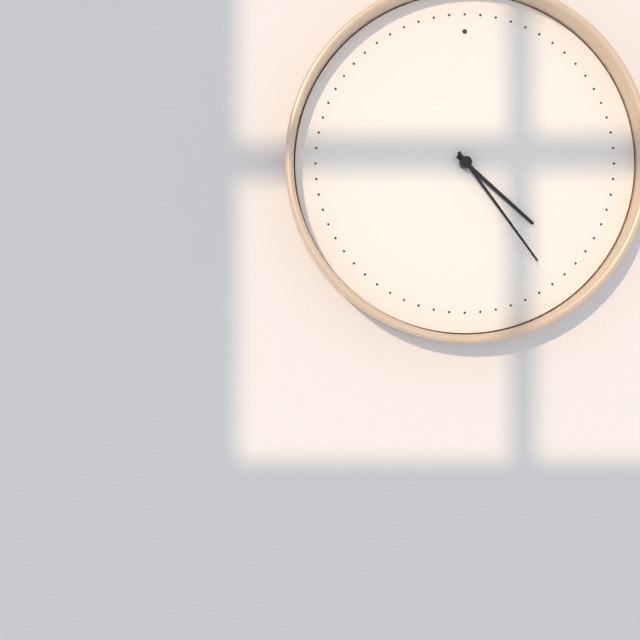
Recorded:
4 h 24 min
